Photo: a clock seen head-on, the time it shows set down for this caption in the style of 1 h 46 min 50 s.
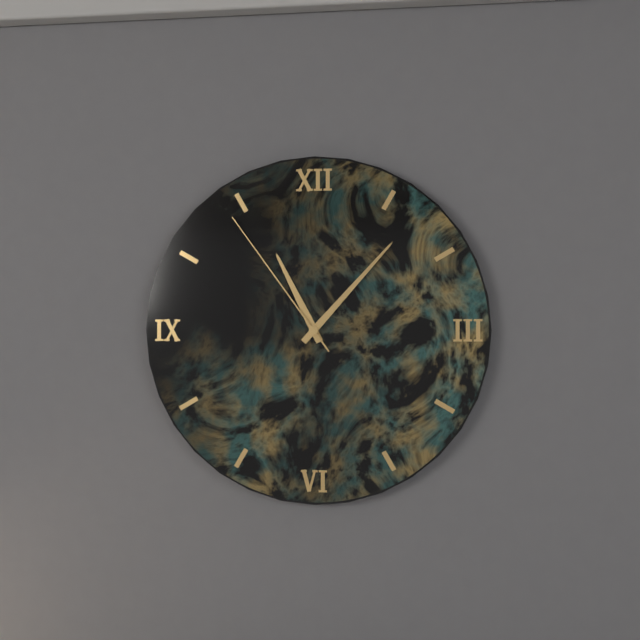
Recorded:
11 h 07 min 54 s
